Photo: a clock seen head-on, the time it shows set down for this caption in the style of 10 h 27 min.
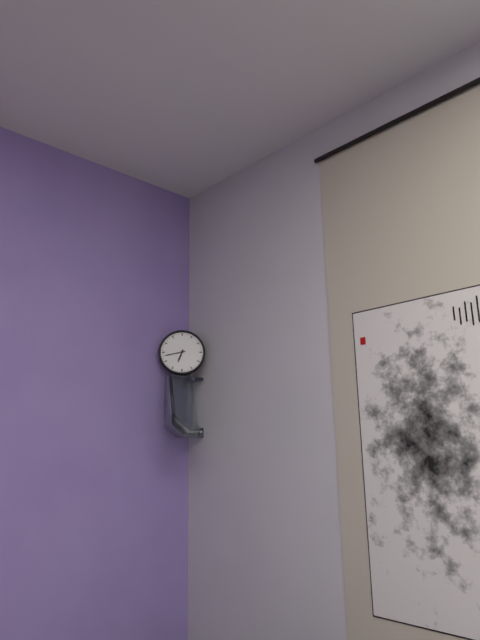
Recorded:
6 h 43 min
